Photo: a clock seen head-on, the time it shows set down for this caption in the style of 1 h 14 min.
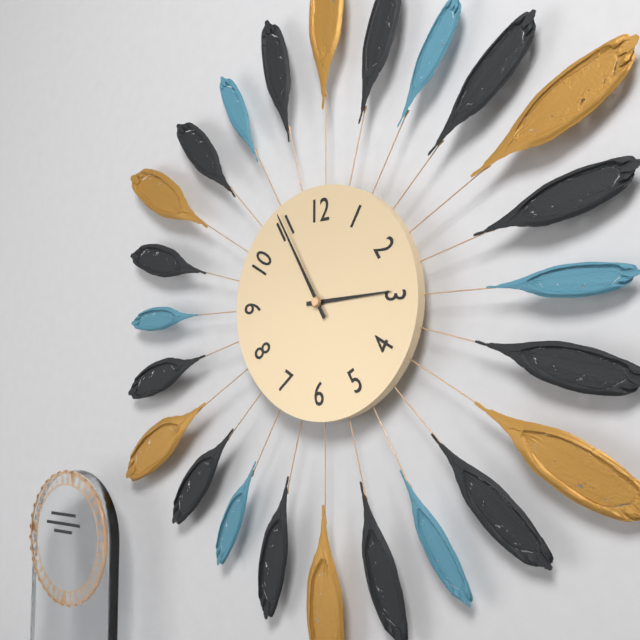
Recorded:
2 h 55 min
